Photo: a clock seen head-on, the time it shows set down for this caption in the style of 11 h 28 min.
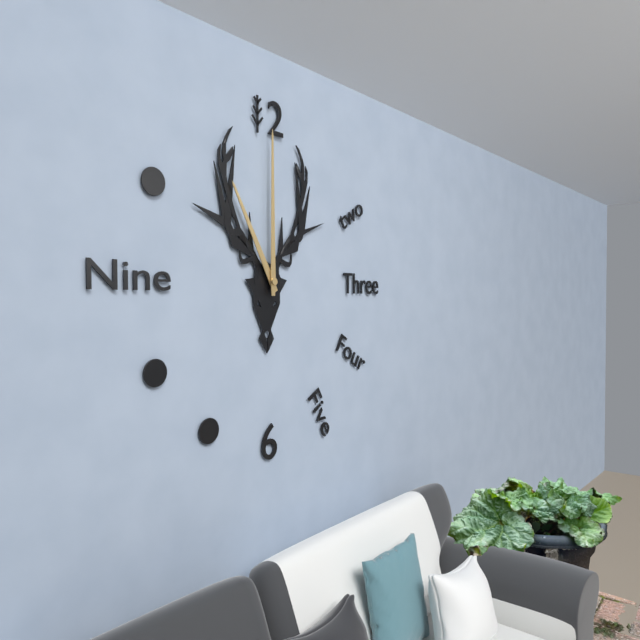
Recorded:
11 h 00 min
